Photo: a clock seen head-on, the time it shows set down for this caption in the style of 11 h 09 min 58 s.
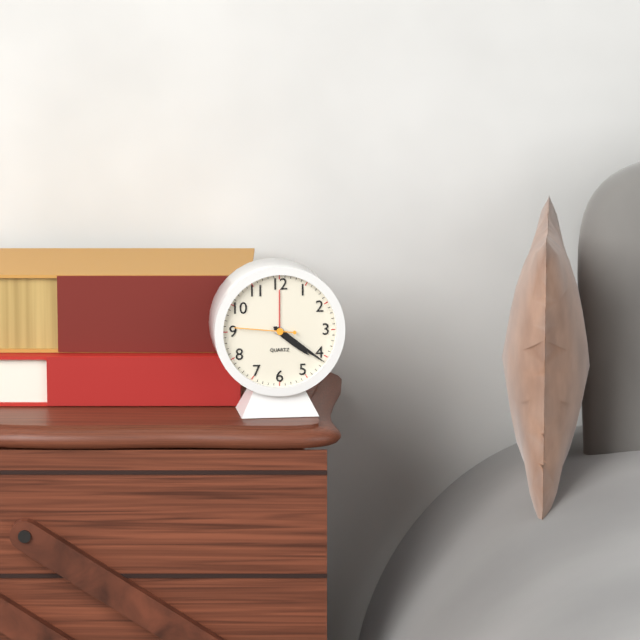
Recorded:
4 h 21 min 46 s
